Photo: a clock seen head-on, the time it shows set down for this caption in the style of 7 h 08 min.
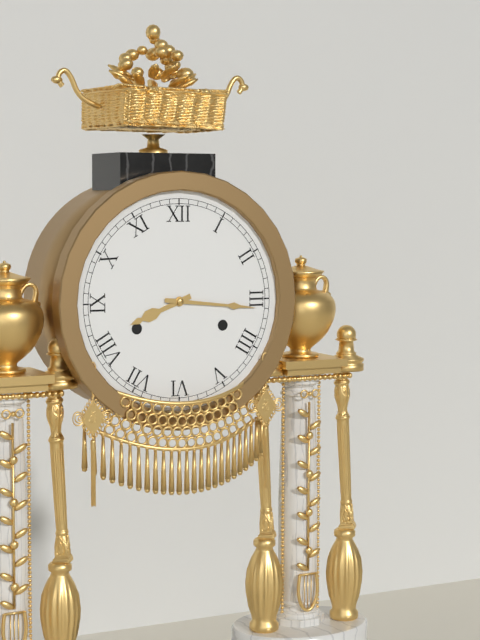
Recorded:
8 h 16 min
